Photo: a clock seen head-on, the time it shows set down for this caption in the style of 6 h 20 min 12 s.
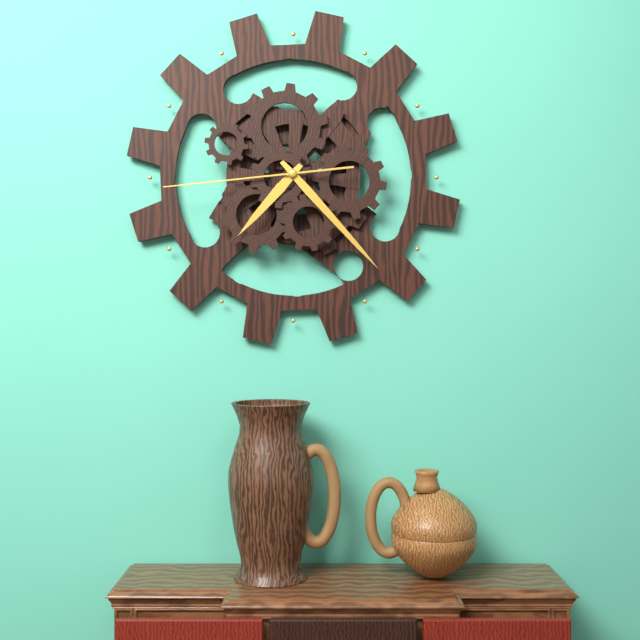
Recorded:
7 h 23 min 44 s
